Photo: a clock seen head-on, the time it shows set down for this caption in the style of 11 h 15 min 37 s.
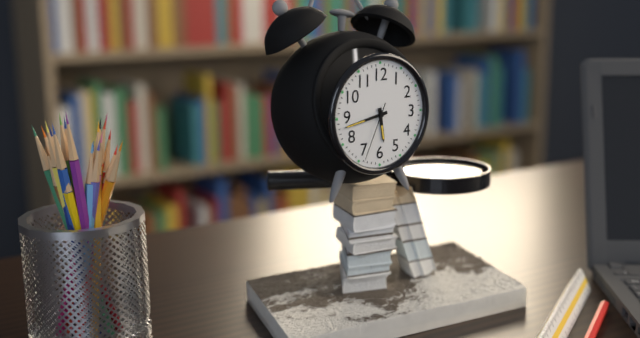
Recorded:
5 h 43 min 34 s
